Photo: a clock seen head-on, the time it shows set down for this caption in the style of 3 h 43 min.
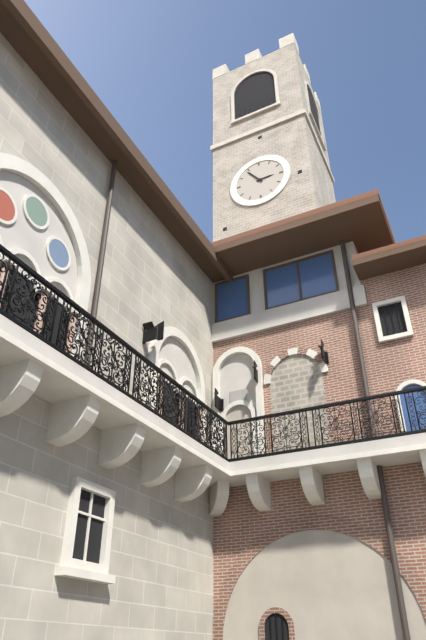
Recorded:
2 h 54 min
